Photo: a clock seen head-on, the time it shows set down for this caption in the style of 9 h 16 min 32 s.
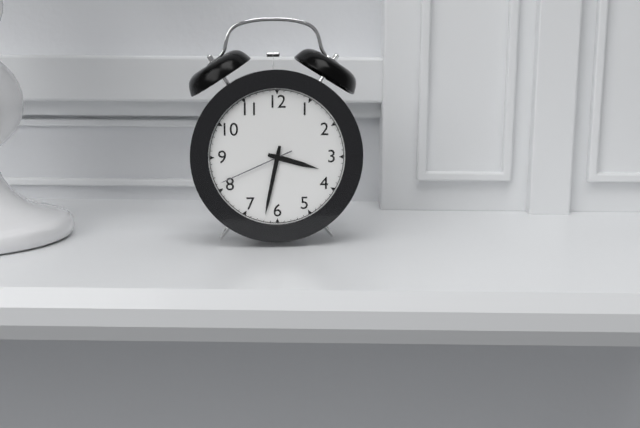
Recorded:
3 h 32 min 41 s
